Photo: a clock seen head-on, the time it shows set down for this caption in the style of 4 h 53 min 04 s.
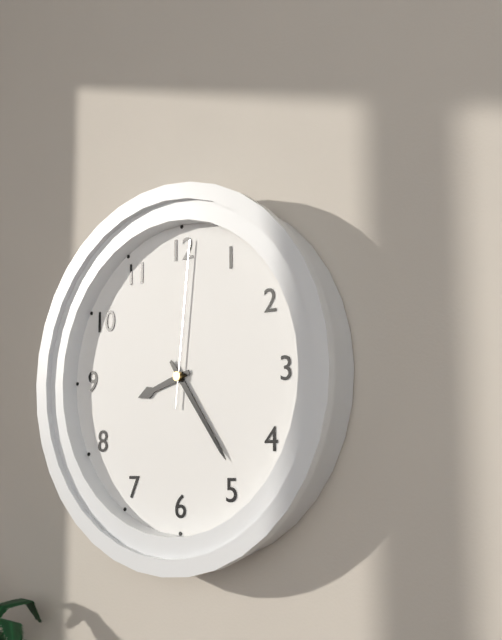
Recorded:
8 h 24 min 01 s
